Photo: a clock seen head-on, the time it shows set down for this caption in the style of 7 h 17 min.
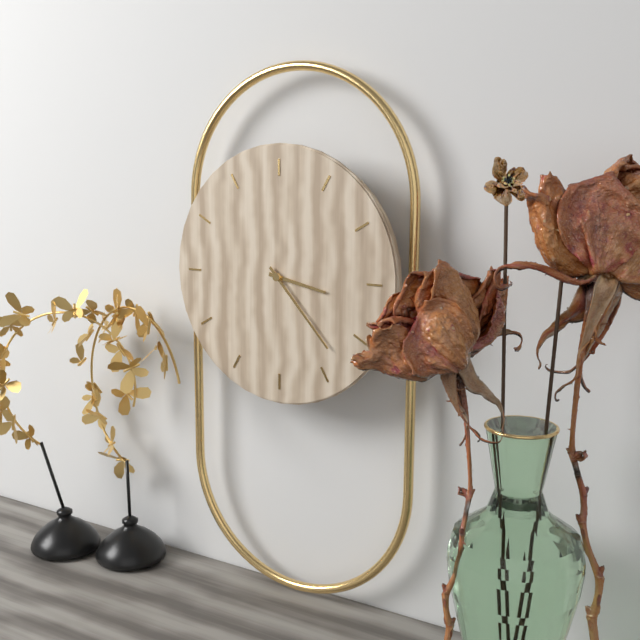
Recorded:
3 h 23 min
